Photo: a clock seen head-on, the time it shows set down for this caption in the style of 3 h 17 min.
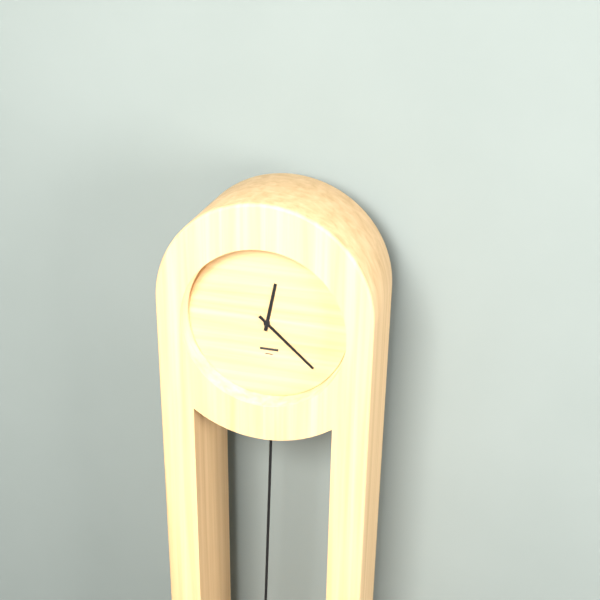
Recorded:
12 h 22 min
